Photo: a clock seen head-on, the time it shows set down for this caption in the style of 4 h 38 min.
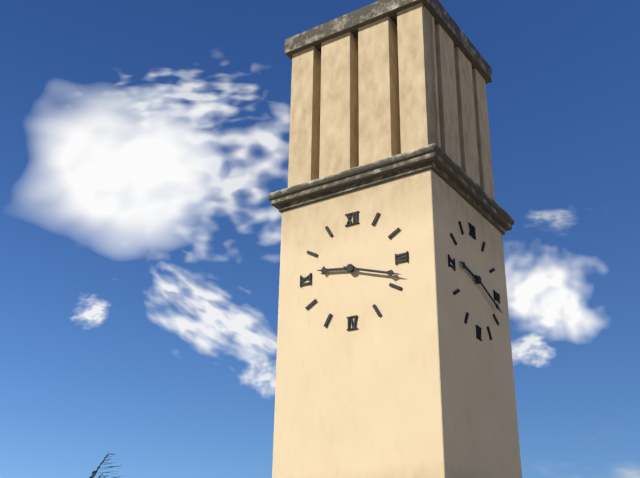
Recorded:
9 h 18 min
